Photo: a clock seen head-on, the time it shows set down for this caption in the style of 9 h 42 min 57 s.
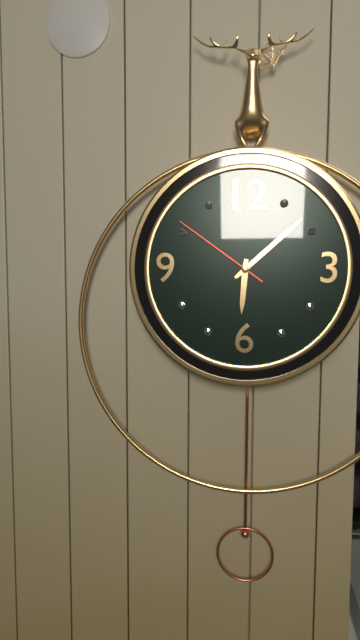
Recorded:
6 h 08 min 51 s
